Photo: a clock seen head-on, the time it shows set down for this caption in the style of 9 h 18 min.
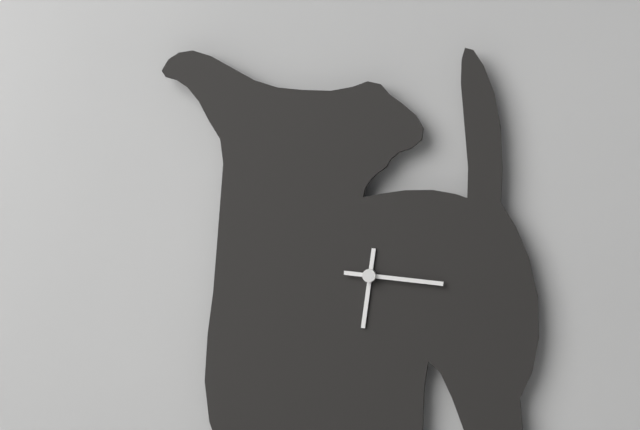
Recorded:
6 h 16 min
